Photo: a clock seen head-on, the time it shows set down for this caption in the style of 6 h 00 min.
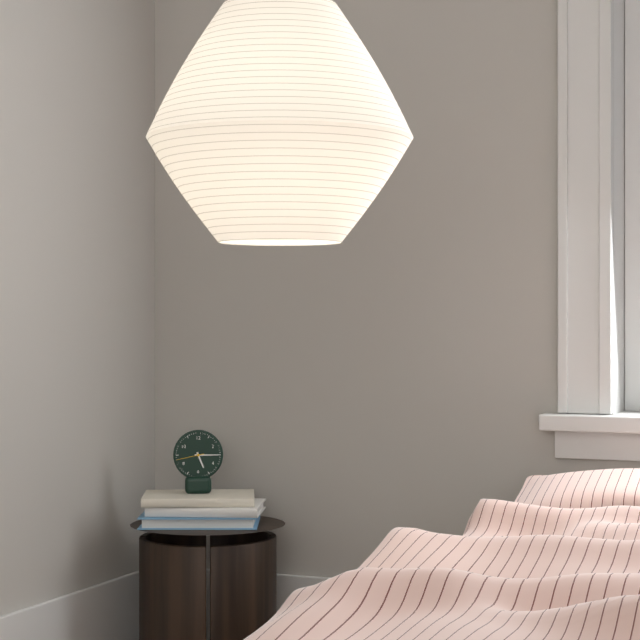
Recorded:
5 h 15 min
